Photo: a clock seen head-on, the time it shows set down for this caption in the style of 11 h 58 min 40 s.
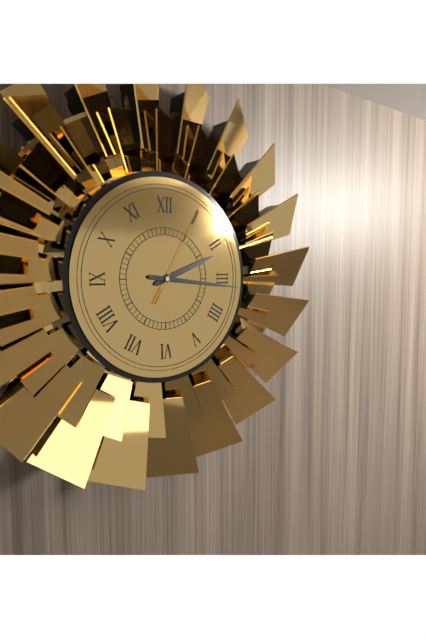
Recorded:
2 h 16 min 05 s
